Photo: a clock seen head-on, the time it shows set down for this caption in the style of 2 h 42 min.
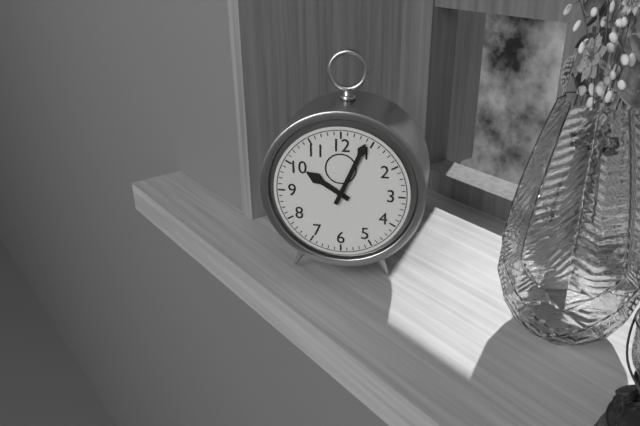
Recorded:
10 h 04 min
